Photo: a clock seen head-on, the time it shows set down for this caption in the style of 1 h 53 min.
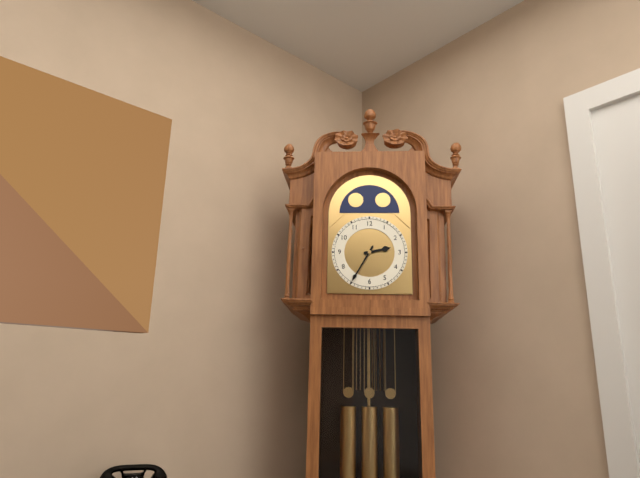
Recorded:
2 h 35 min
